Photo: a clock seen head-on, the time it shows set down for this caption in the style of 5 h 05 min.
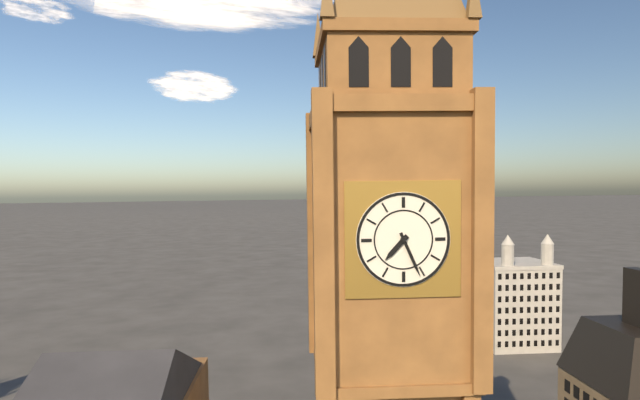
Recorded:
7 h 26 min
